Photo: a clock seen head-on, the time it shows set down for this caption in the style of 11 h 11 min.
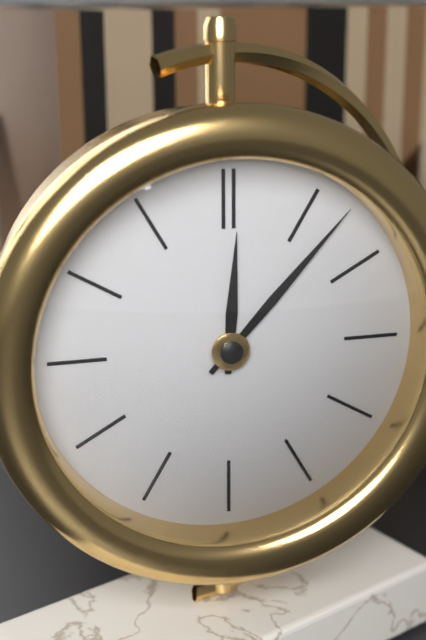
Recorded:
12 h 07 min
